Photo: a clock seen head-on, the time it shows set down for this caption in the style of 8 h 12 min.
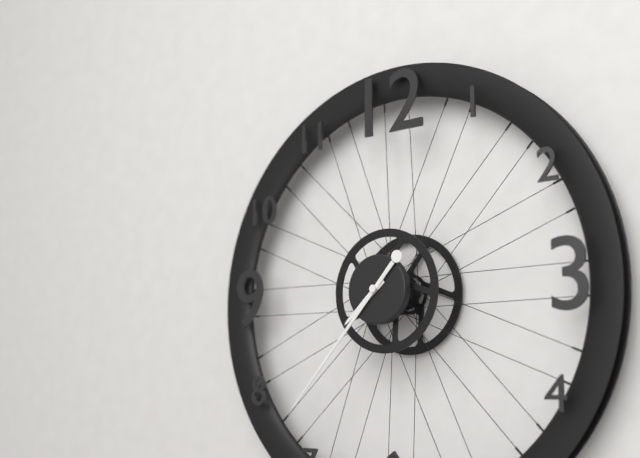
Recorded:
7 h 37 min
